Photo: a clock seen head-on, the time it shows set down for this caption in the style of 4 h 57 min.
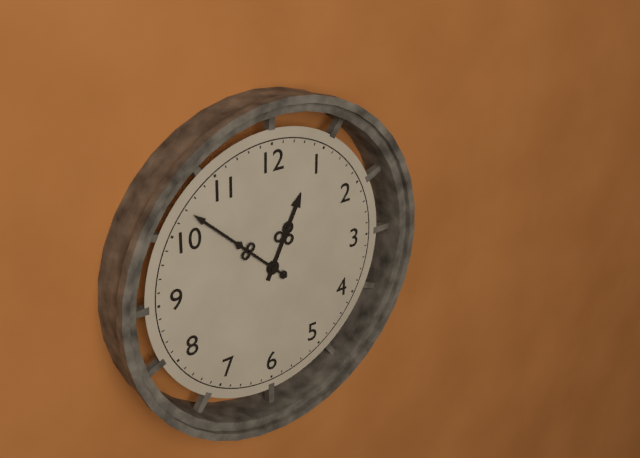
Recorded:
12 h 52 min
